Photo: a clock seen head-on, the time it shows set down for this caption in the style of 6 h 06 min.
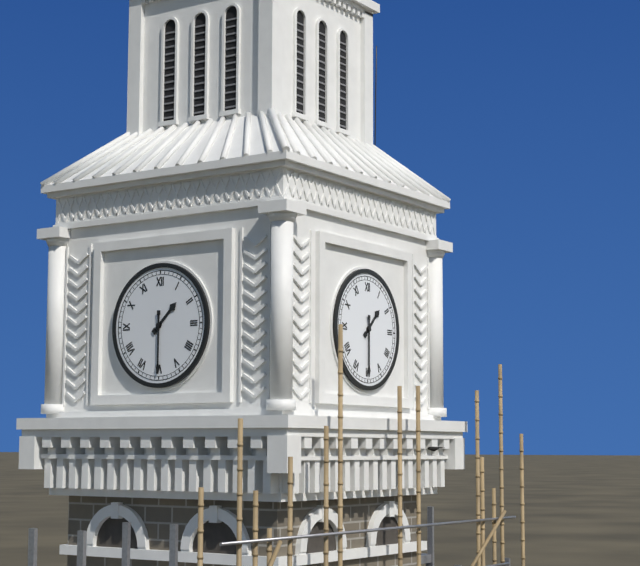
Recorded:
1 h 30 min
